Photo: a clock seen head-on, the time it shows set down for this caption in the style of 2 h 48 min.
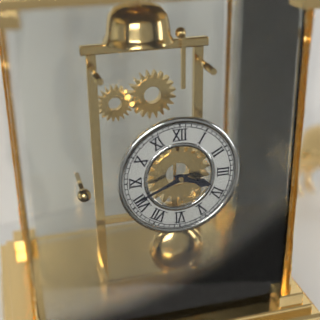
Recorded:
3 h 41 min
